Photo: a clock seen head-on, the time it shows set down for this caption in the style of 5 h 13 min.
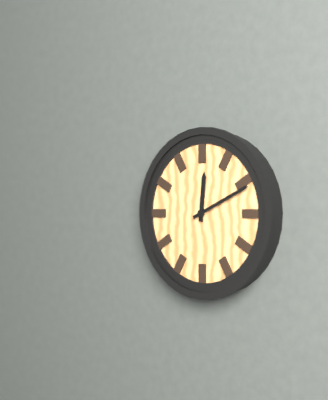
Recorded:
12 h 11 min
